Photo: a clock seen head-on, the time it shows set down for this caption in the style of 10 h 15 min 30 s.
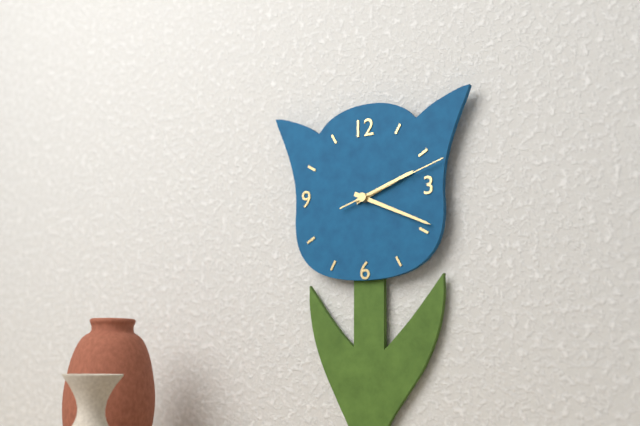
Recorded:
2 h 19 min 12 s
